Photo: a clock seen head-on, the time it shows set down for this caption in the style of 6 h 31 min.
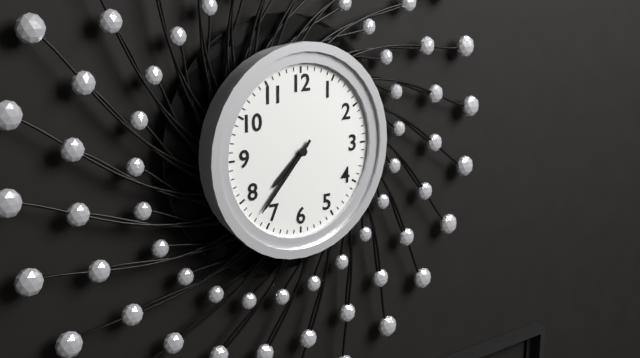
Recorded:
7 h 37 min
